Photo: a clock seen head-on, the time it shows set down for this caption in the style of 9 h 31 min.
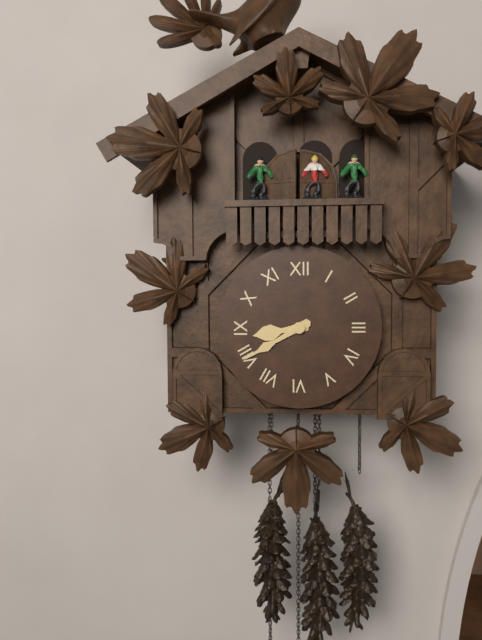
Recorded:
8 h 40 min
